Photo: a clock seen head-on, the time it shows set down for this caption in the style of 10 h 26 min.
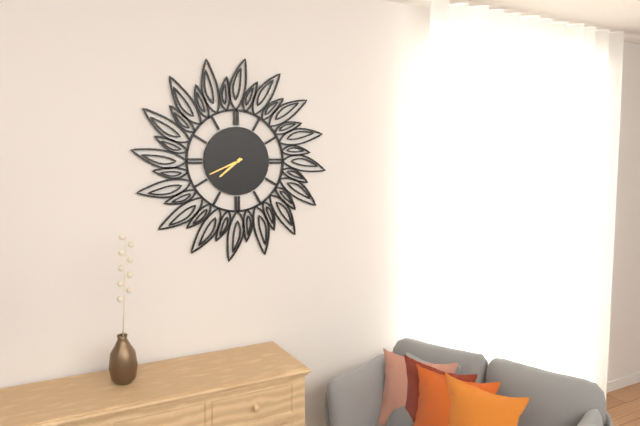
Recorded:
7 h 41 min
